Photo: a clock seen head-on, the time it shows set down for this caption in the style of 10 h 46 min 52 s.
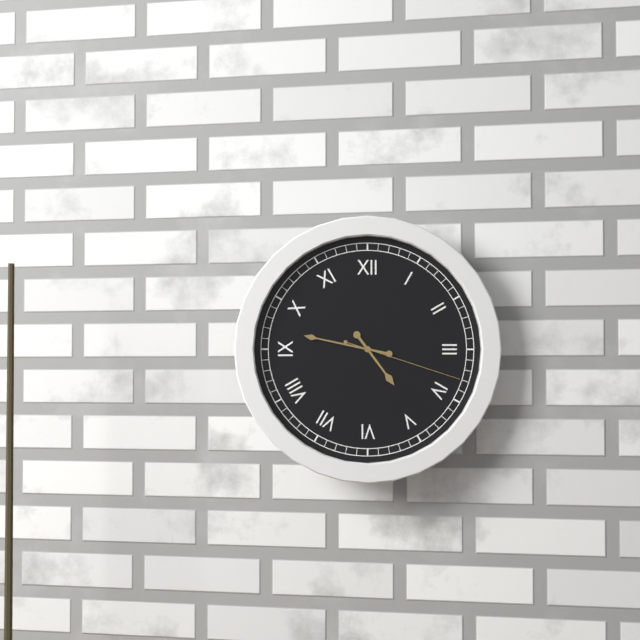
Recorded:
4 h 47 min 18 s
